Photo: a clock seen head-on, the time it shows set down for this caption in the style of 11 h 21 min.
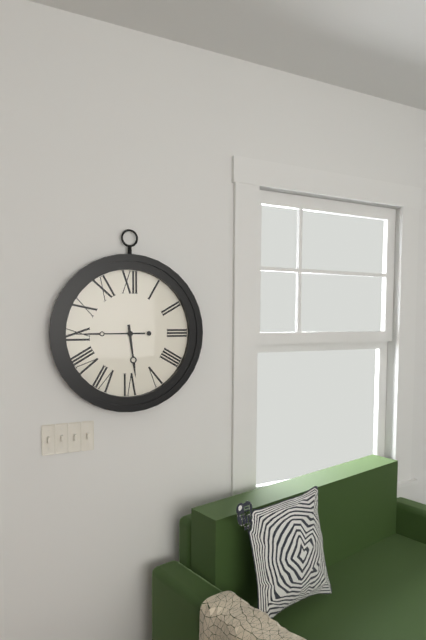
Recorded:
5 h 45 min
